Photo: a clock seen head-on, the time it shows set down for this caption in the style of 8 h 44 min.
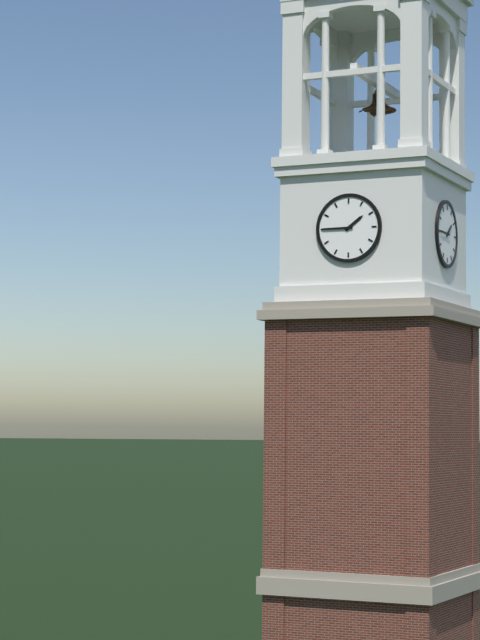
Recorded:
1 h 45 min
